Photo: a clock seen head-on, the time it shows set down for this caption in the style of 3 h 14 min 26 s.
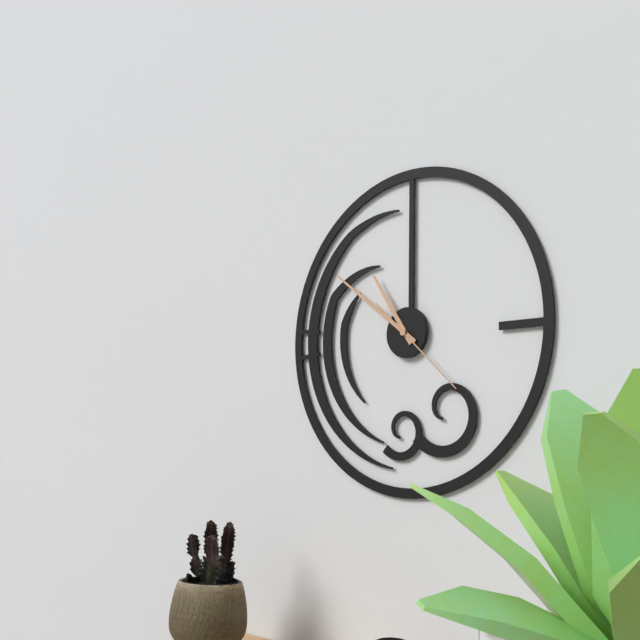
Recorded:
10 h 51 min 22 s
